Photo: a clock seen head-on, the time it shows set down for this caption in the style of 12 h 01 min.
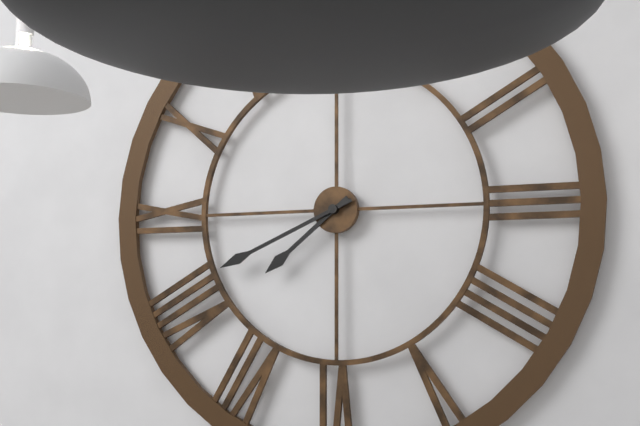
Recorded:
7 h 41 min
